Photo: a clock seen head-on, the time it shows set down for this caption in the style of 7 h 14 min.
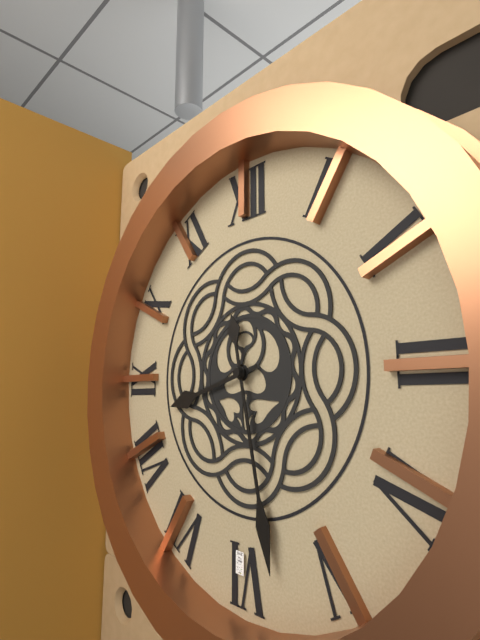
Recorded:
8 h 28 min
